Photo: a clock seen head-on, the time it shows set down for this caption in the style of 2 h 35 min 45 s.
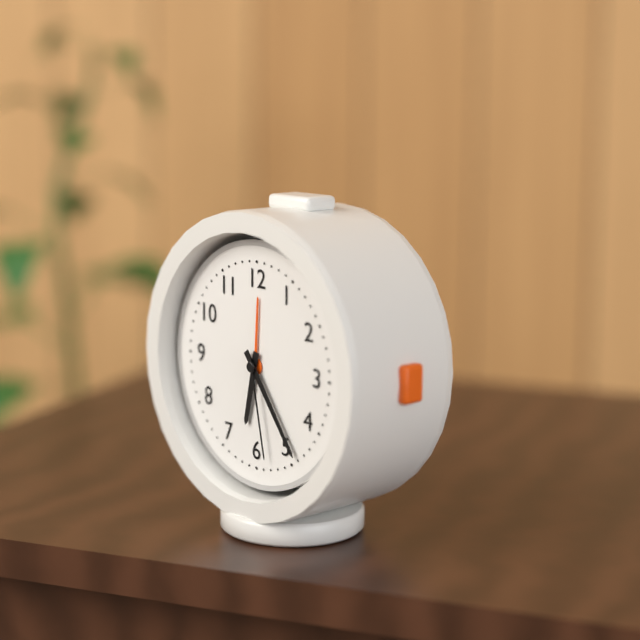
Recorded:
6 h 24 min 28 s
